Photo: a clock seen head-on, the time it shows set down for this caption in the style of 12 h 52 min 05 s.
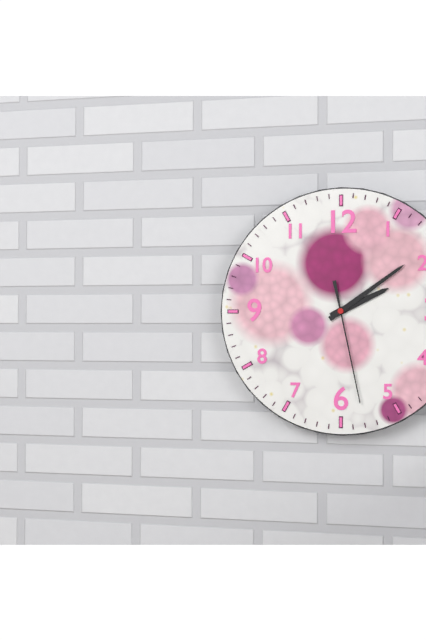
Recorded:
2 h 09 min 28 s
